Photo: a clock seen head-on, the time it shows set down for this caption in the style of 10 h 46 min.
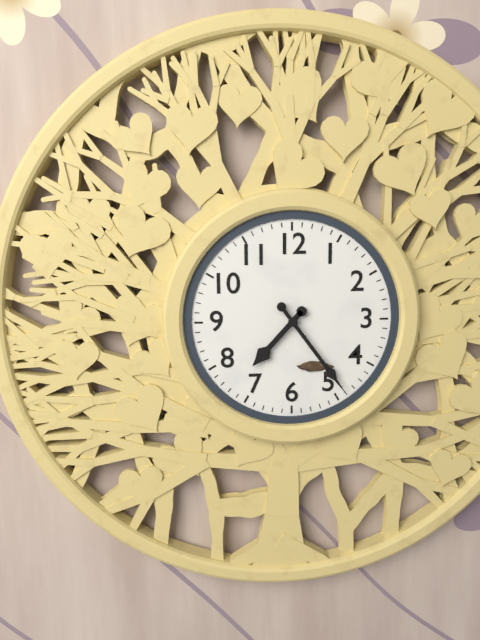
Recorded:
7 h 24 min
